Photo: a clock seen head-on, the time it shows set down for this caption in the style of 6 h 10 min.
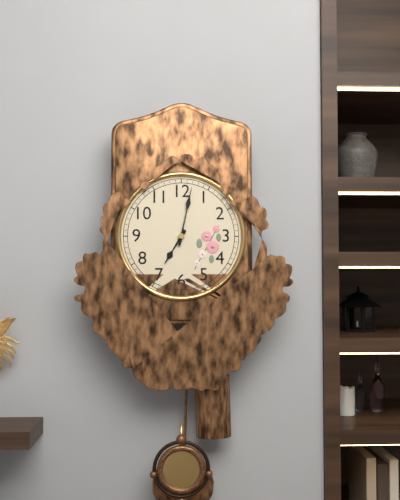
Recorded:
7 h 02 min
